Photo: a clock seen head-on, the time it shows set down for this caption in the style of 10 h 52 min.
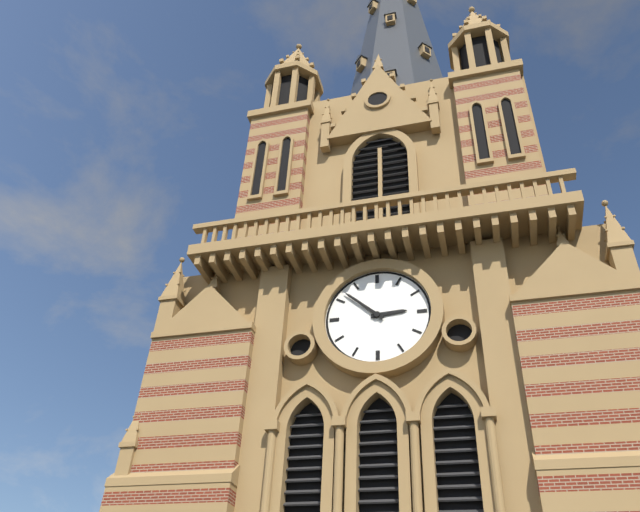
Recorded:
2 h 52 min
